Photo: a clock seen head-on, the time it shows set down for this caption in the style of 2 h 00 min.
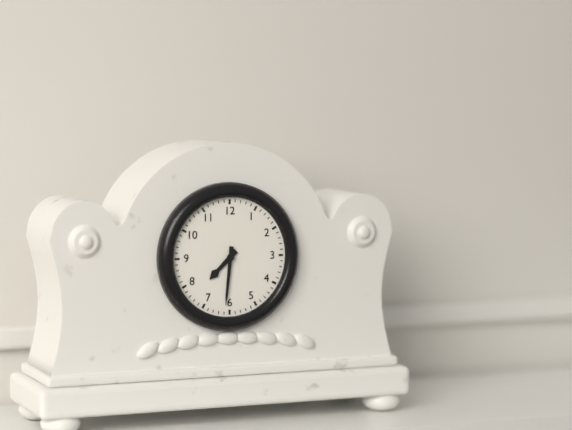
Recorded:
7 h 31 min
